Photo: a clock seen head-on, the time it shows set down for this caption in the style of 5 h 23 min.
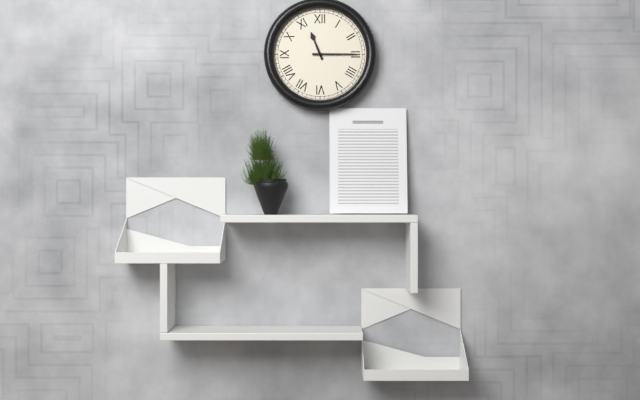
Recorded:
11 h 15 min
